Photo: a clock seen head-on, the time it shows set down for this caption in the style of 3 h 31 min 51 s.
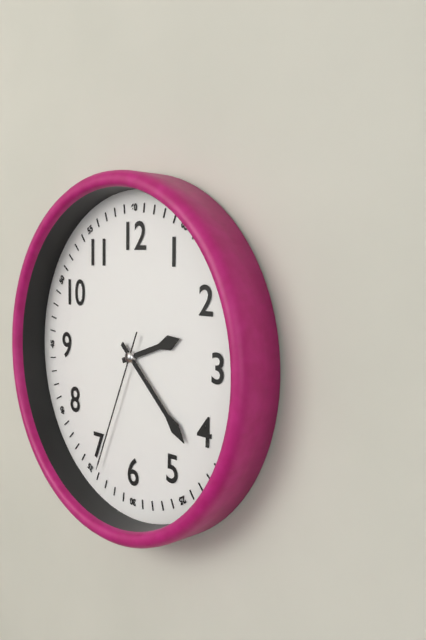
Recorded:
2 h 22 min 34 s
